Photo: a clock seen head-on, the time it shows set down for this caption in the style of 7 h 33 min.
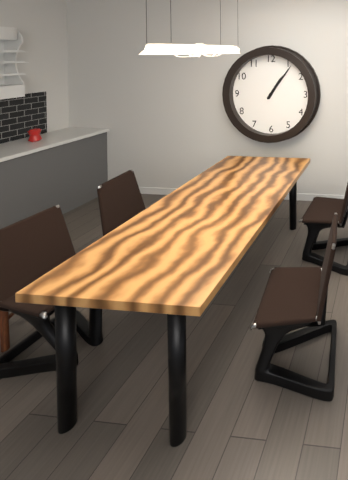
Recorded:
1 h 06 min
